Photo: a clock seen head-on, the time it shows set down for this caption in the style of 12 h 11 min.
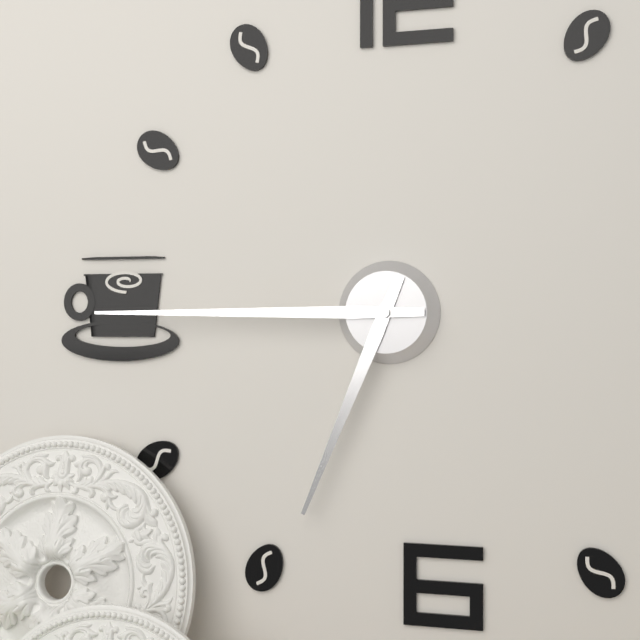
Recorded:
6 h 45 min
